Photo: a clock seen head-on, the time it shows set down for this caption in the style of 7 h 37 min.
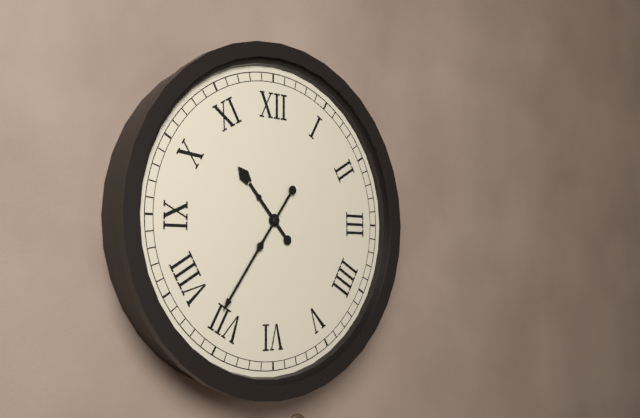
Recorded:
10 h 36 min
